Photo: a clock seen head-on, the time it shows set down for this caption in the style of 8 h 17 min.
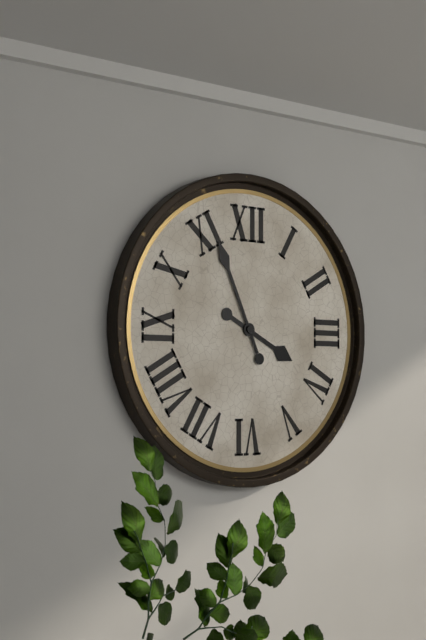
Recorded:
3 h 56 min
